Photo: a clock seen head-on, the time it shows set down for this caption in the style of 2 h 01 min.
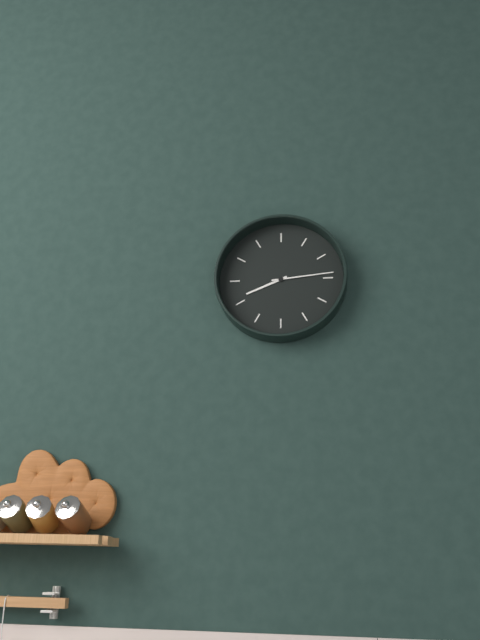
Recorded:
8 h 14 min
